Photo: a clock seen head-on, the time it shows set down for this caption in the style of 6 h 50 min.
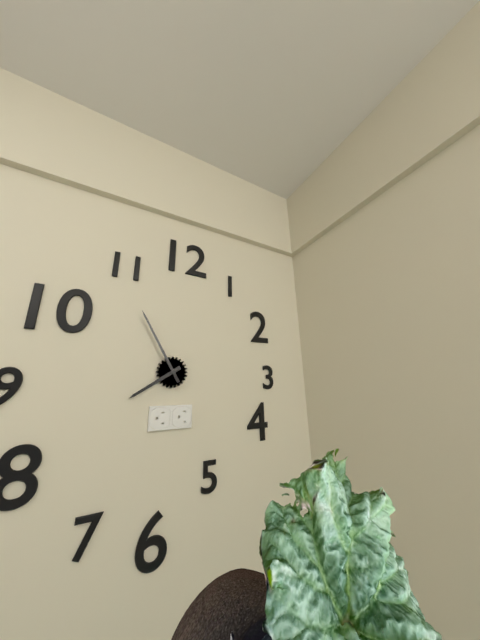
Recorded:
7 h 55 min
